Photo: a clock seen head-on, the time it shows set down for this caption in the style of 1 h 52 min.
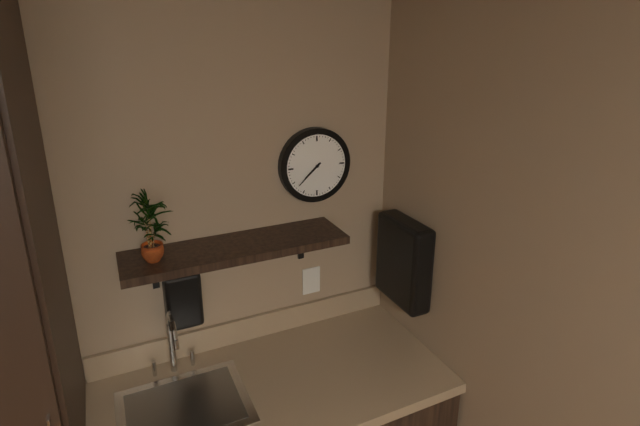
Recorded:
7 h 38 min
